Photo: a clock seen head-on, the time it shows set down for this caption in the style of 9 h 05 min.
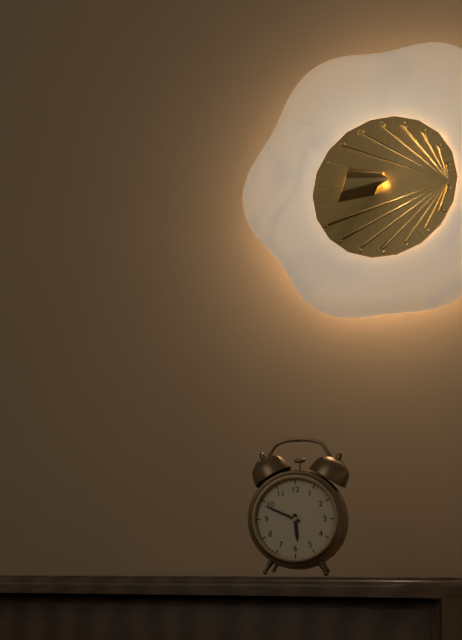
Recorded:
5 h 49 min
